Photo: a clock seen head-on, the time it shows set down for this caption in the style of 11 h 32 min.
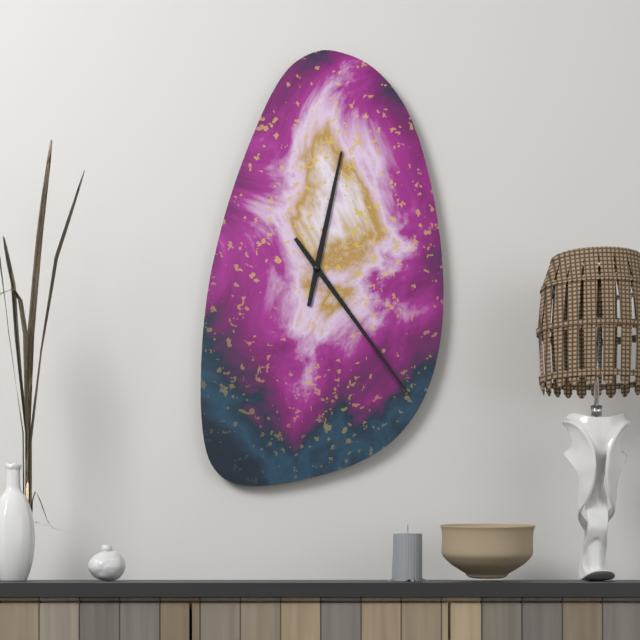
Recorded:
12 h 24 min
